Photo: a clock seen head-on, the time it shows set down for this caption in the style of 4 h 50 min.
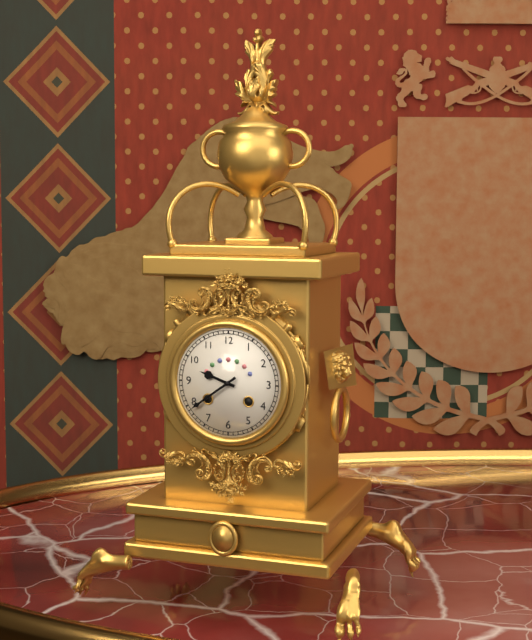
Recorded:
9 h 39 min
